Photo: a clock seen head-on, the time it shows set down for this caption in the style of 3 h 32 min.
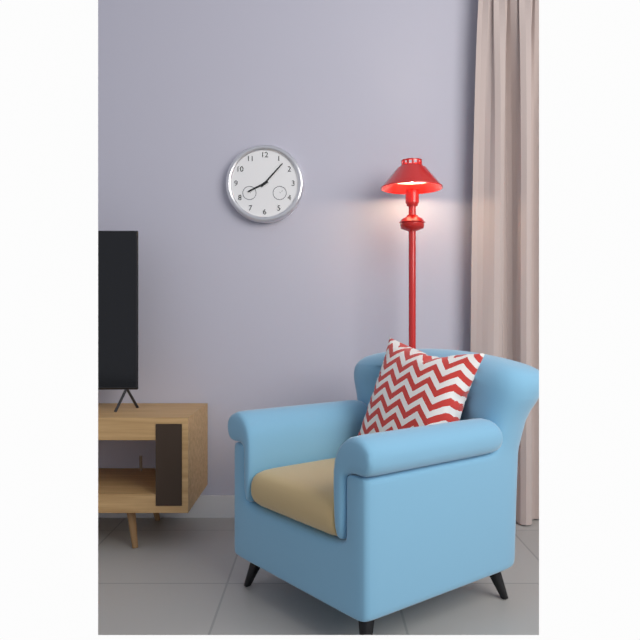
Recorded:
8 h 07 min
